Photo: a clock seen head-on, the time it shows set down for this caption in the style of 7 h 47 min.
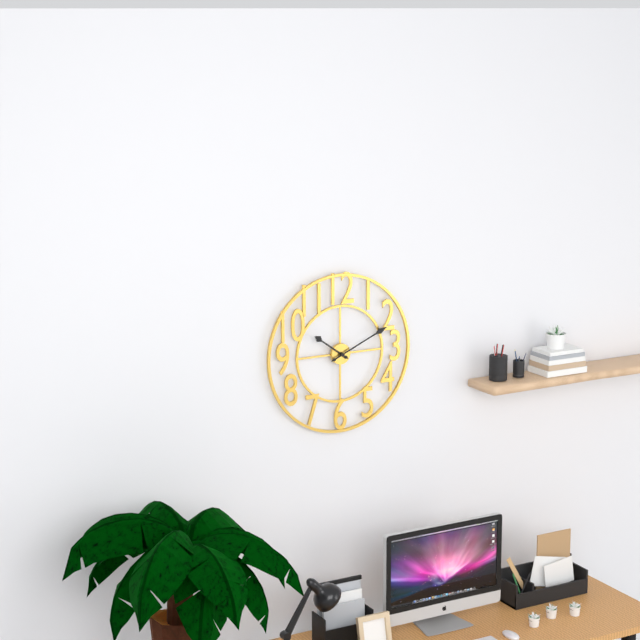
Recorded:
10 h 11 min
